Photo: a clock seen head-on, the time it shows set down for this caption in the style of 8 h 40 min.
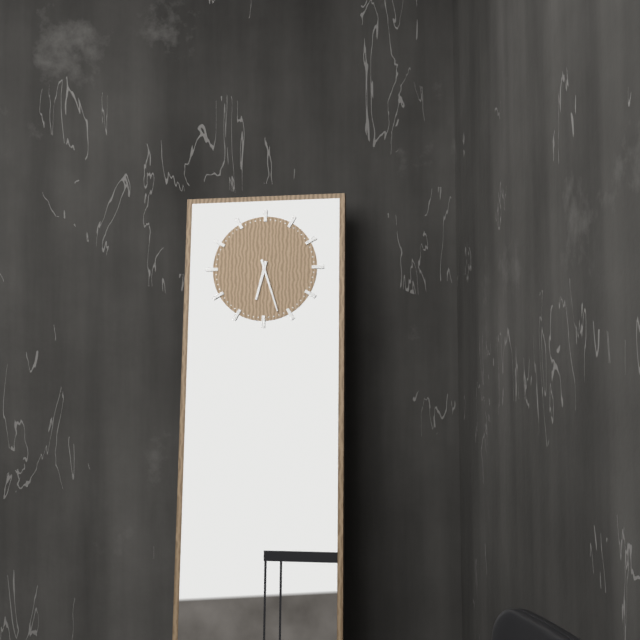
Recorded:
6 h 27 min
